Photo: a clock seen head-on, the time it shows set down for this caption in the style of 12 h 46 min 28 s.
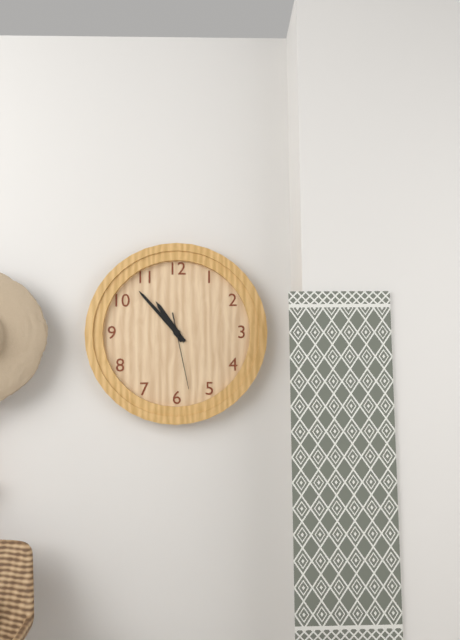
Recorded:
10 h 53 min 28 s
